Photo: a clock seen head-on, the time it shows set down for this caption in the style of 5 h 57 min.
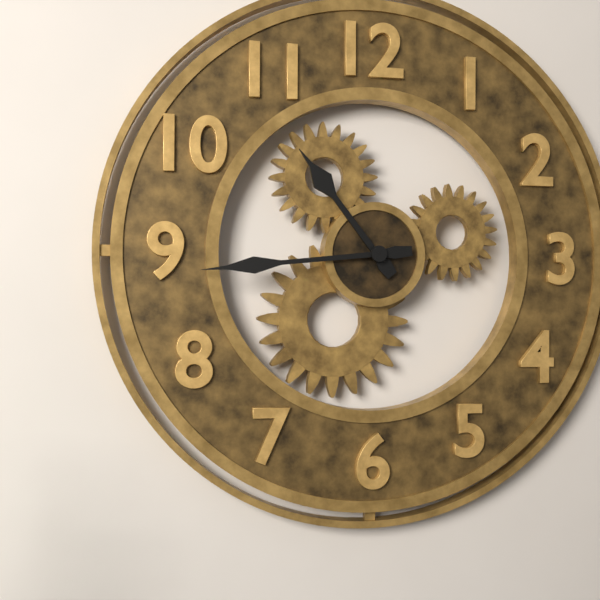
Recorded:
10 h 44 min
